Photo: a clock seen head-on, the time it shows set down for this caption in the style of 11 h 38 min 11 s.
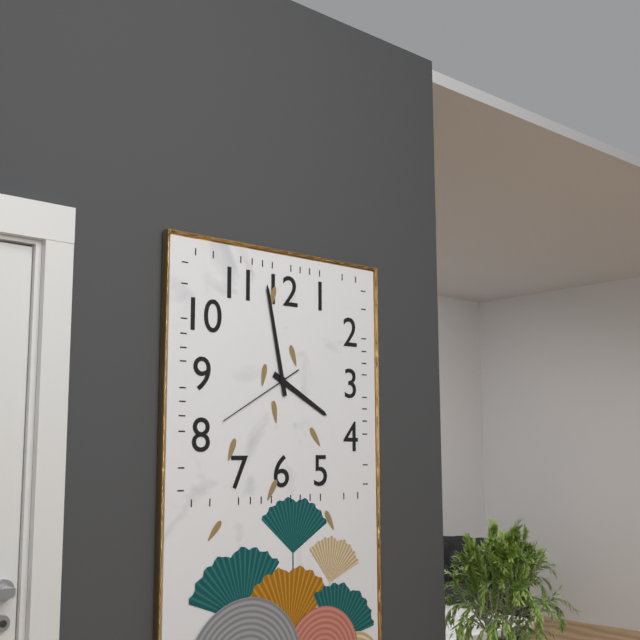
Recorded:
3 h 58 min 40 s
